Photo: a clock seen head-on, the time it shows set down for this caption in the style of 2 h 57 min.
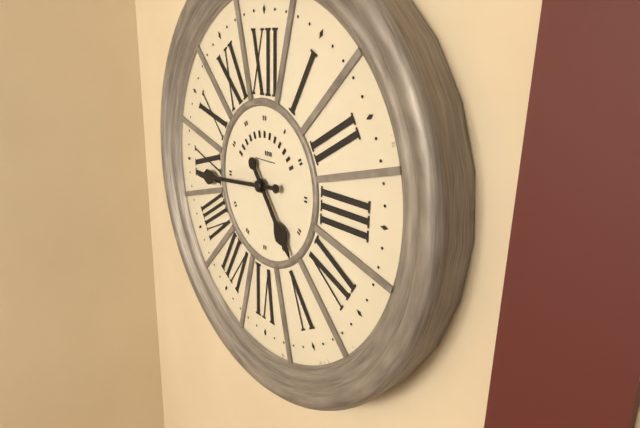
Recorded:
4 h 44 min
